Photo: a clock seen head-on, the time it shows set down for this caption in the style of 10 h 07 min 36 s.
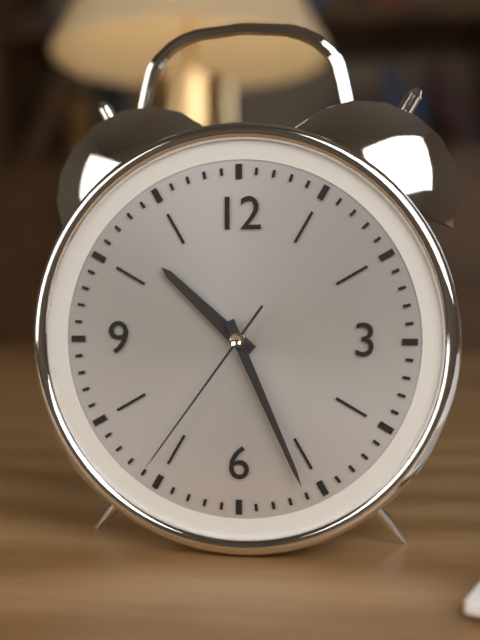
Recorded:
10 h 26 min 36 s
